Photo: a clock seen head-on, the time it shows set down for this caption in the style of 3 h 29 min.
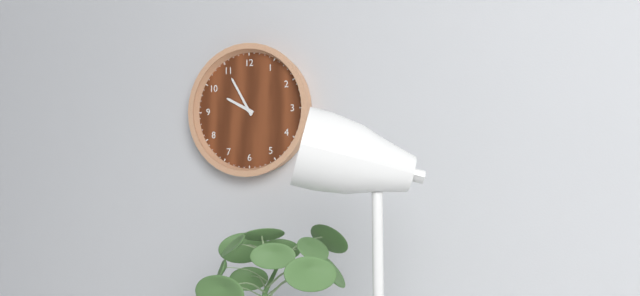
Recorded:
9 h 55 min
